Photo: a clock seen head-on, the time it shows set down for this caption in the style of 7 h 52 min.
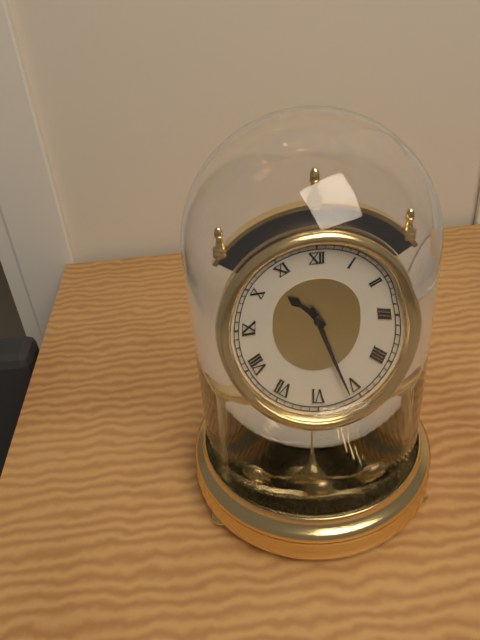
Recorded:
10 h 26 min
